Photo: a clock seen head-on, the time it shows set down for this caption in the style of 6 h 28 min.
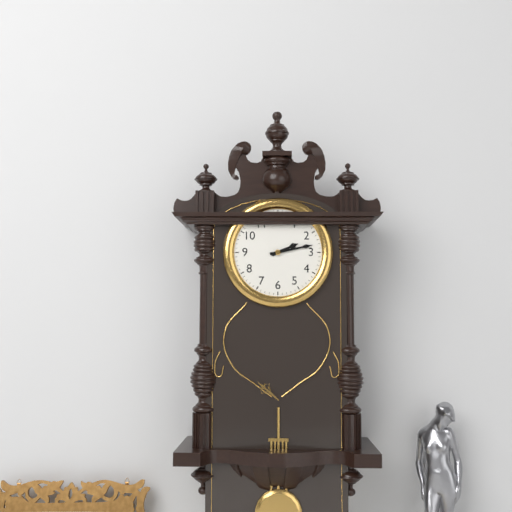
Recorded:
2 h 13 min
